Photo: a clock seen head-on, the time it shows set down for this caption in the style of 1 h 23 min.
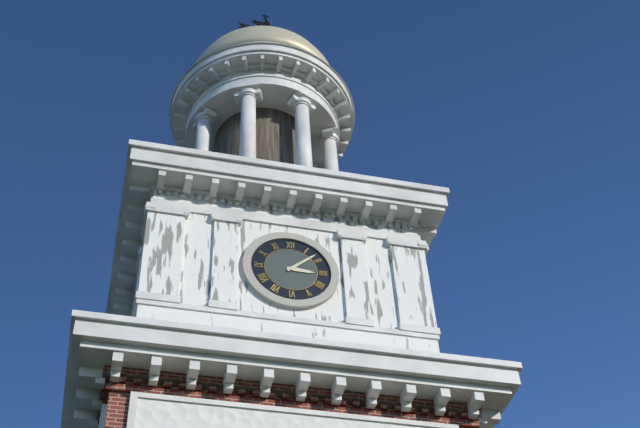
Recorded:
3 h 08 min
